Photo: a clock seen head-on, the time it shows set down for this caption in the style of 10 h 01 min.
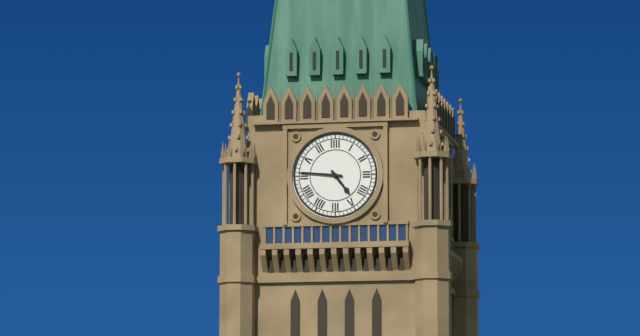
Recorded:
4 h 46 min
